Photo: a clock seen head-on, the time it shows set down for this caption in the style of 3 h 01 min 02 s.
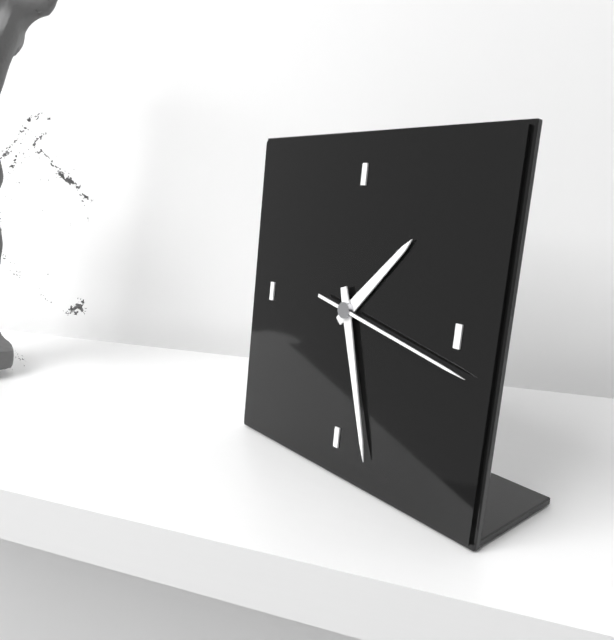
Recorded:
1 h 27 min 17 s
